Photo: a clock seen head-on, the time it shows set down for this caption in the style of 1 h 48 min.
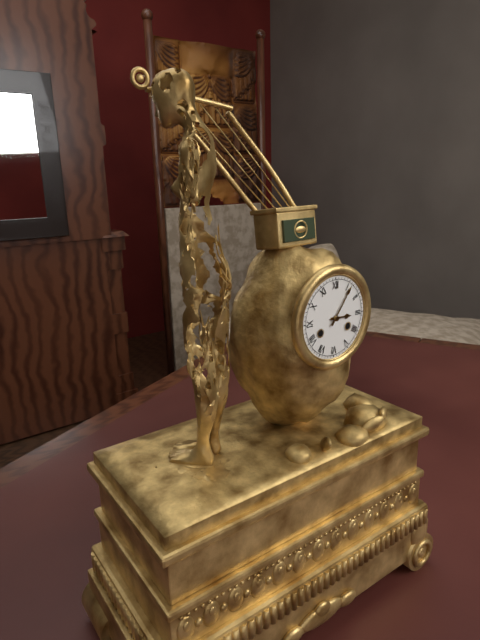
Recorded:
3 h 06 min
